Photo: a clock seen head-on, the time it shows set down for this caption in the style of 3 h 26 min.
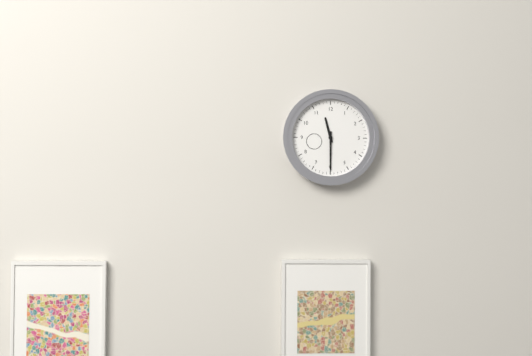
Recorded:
11 h 30 min
